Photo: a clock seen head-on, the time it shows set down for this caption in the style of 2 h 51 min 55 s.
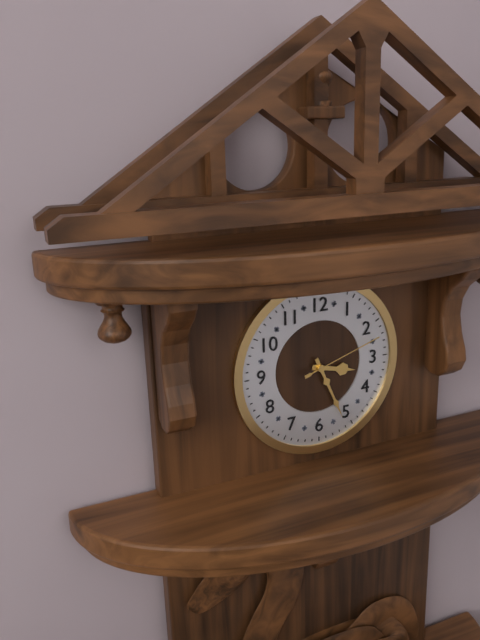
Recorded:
3 h 26 min 12 s
